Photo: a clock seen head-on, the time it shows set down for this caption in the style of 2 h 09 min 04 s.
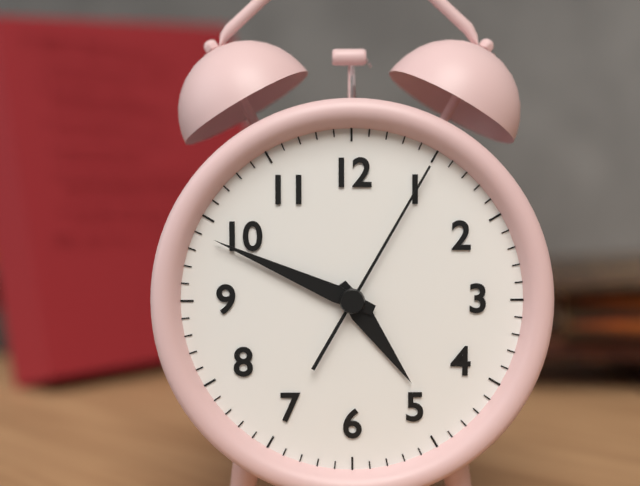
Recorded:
4 h 49 min 05 s
